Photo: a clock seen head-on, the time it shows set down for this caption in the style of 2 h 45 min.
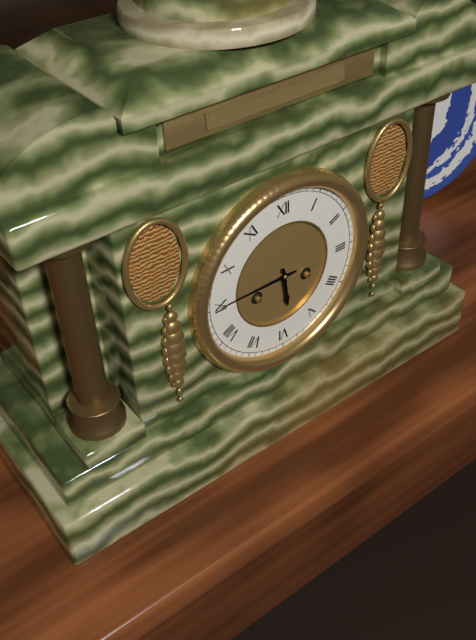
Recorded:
5 h 45 min
